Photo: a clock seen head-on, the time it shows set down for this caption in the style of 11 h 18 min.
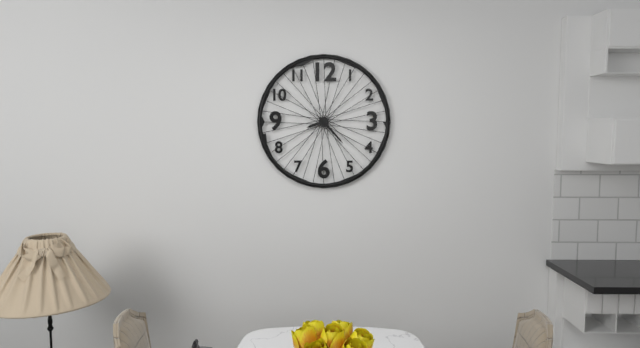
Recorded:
8 h 23 min
